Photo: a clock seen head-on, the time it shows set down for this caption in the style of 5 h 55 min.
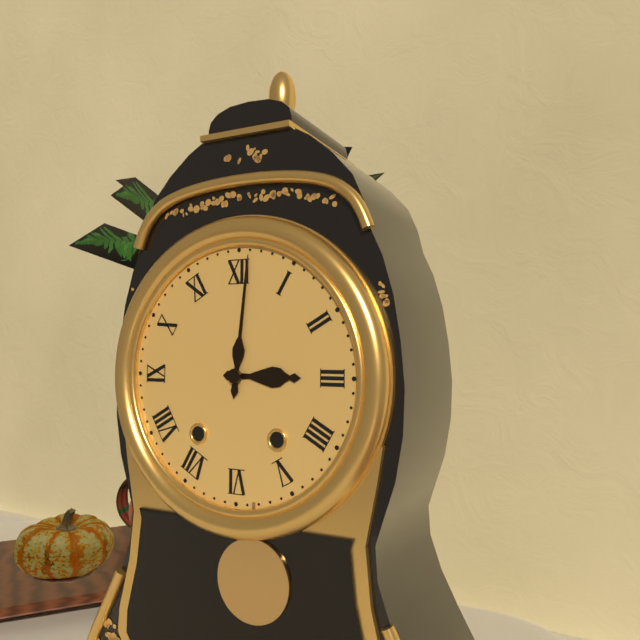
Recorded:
3 h 01 min
